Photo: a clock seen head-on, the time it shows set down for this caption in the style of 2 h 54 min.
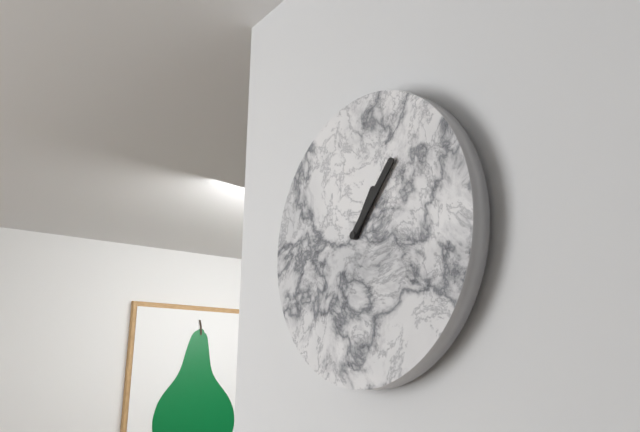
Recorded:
1 h 07 min
